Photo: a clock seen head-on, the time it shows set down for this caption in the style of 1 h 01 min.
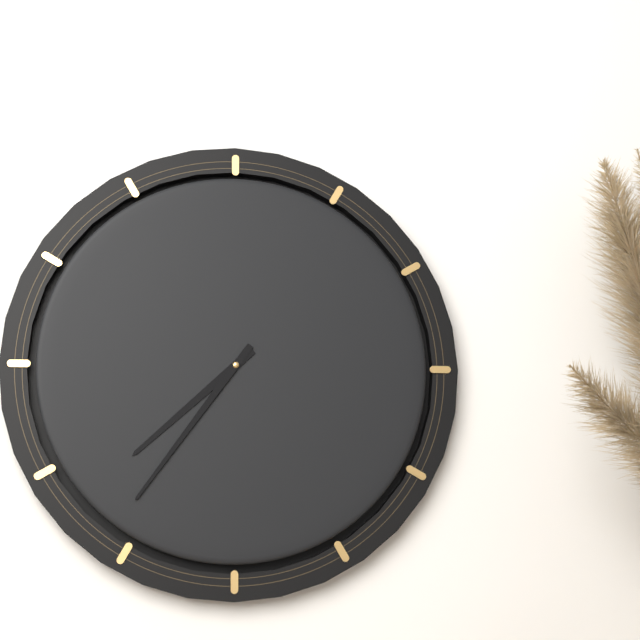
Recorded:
7 h 36 min
